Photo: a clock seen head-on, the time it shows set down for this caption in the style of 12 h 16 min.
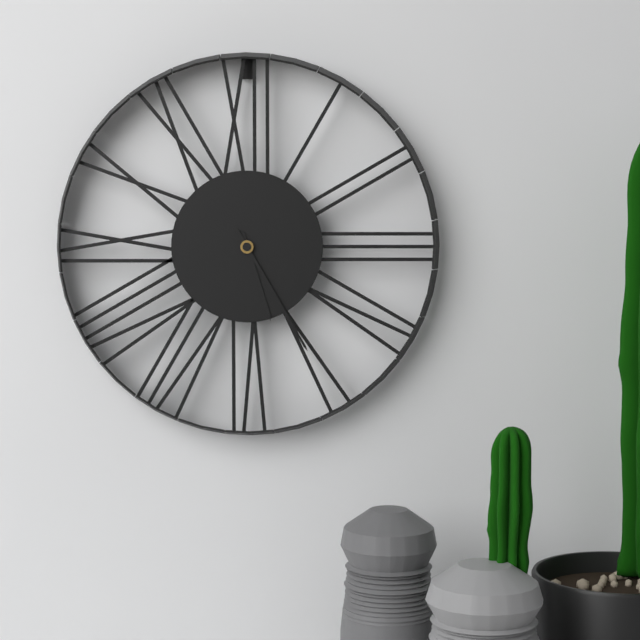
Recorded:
5 h 25 min
